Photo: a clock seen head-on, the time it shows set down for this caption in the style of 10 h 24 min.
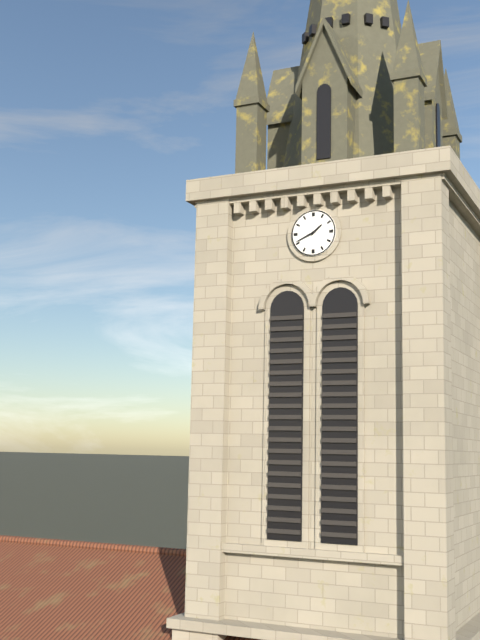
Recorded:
1 h 41 min
